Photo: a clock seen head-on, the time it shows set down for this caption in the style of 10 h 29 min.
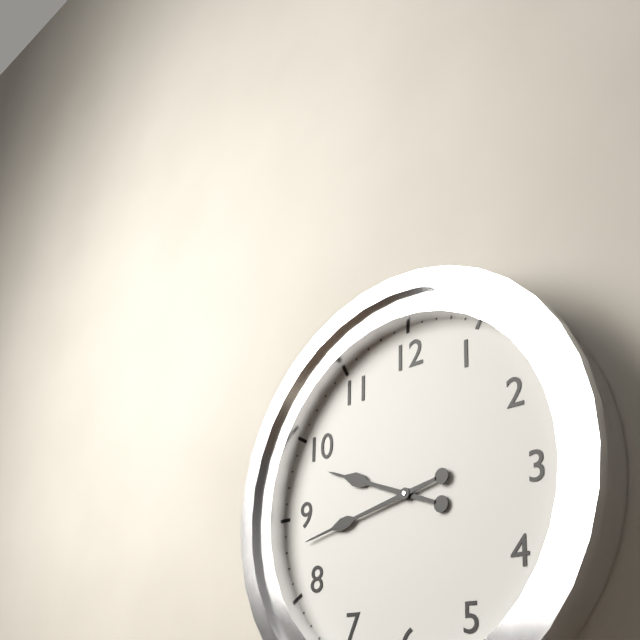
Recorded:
9 h 43 min
